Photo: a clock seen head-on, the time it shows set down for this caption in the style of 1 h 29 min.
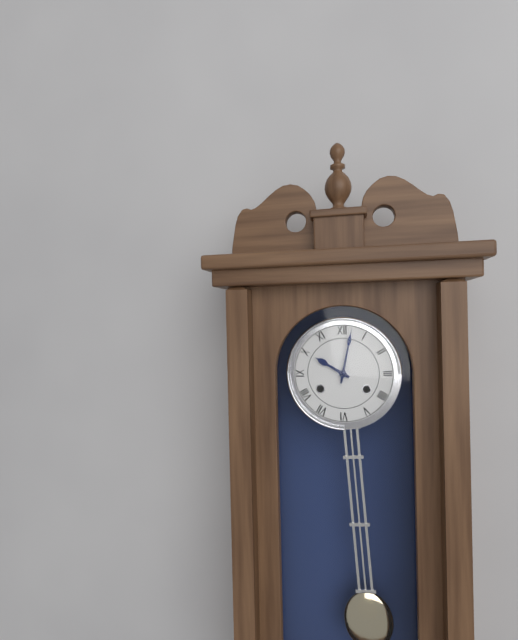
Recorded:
10 h 02 min
